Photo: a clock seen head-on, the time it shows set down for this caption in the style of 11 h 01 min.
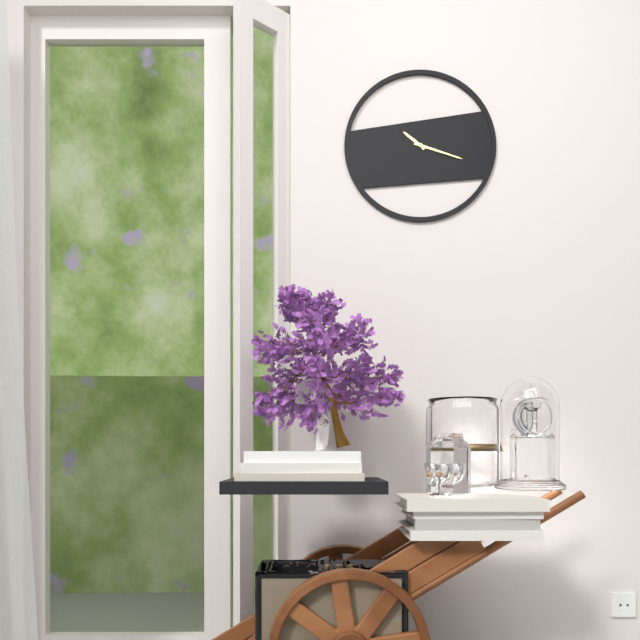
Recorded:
10 h 18 min
